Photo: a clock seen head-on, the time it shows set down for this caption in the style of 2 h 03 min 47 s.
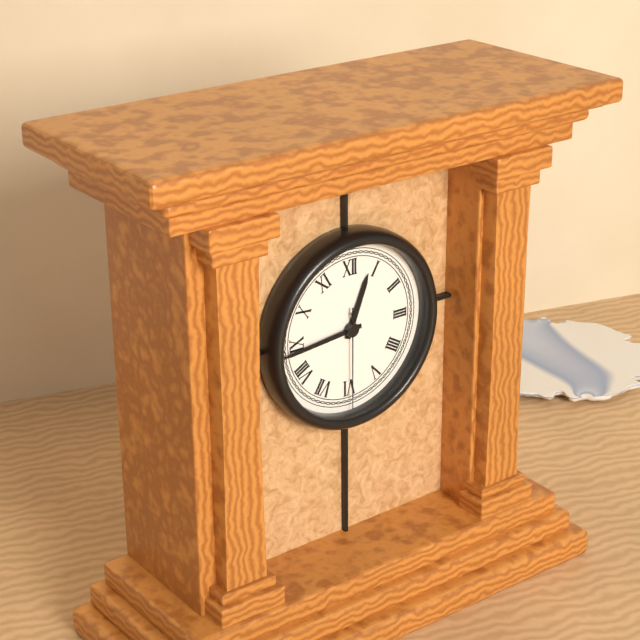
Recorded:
12 h 44 min 30 s
